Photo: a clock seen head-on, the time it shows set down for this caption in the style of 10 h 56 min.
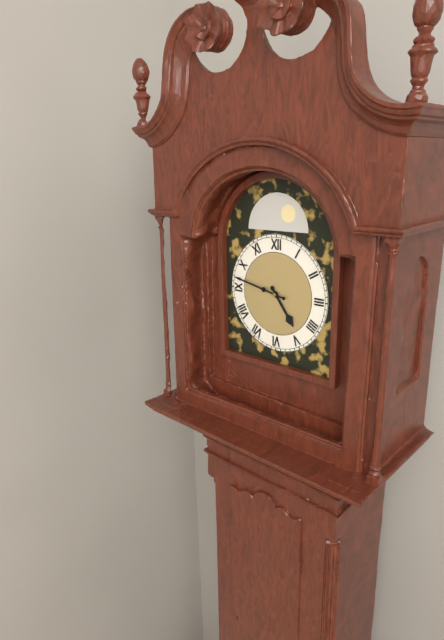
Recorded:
4 h 47 min
